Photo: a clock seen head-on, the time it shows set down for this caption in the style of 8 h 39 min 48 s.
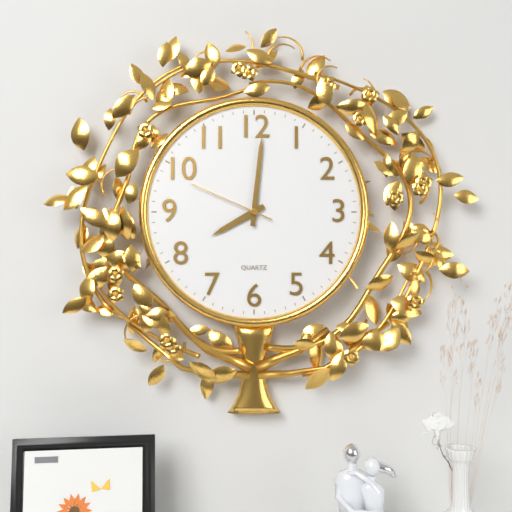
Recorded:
8 h 01 min 49 s
